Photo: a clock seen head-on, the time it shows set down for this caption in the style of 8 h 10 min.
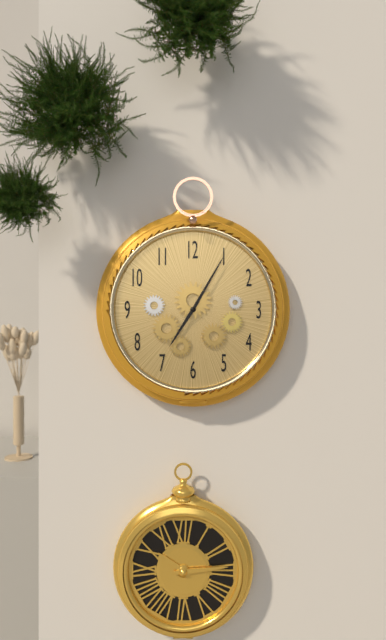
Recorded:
7 h 05 min
